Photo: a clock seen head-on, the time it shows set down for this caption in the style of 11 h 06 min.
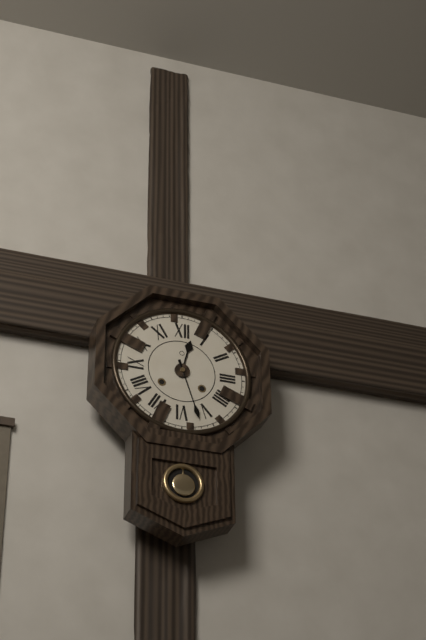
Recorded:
12 h 27 min
